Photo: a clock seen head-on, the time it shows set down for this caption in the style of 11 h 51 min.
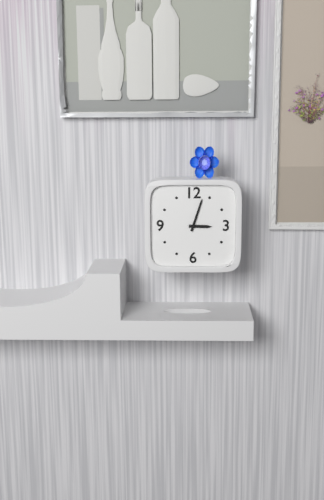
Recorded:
3 h 03 min
